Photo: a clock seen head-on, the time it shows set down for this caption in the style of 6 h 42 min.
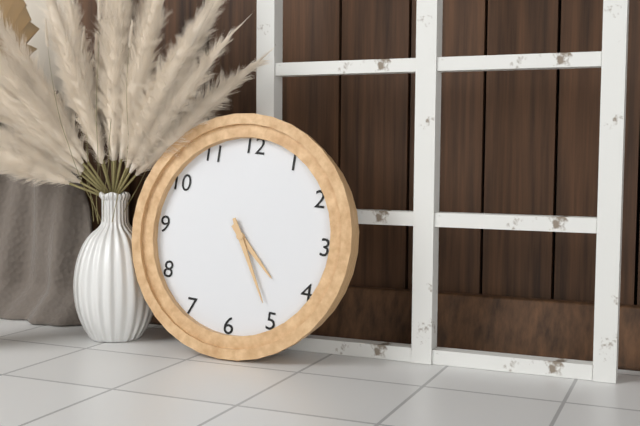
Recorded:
4 h 25 min
